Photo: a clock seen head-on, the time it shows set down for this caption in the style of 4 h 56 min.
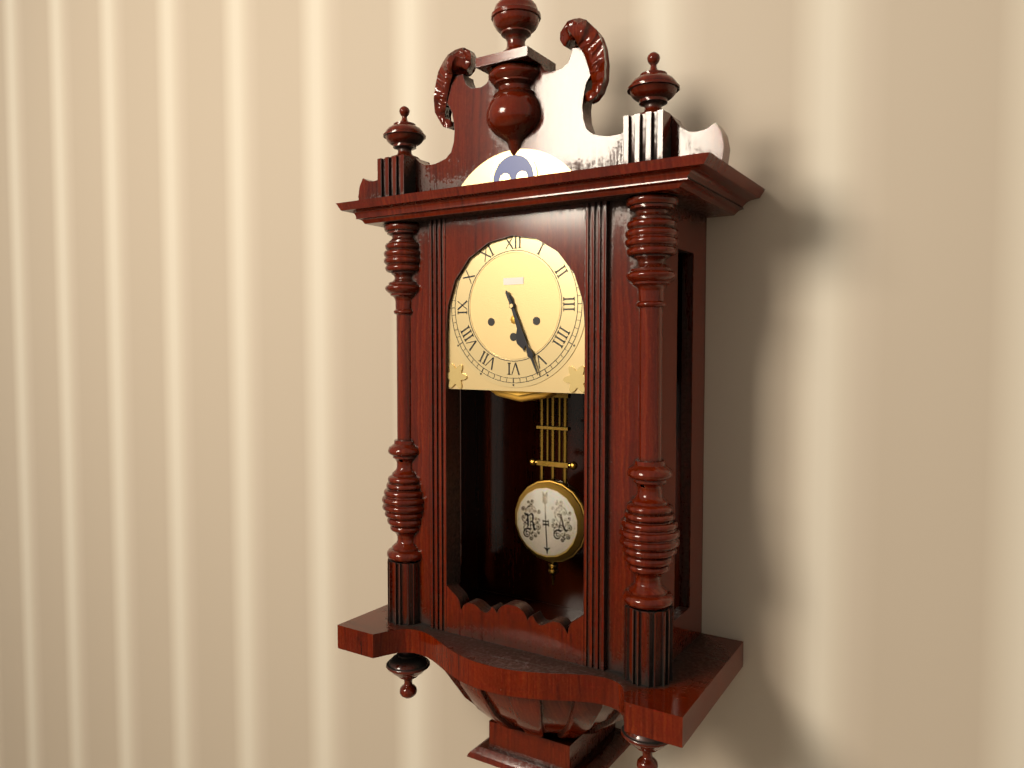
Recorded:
5 h 26 min
